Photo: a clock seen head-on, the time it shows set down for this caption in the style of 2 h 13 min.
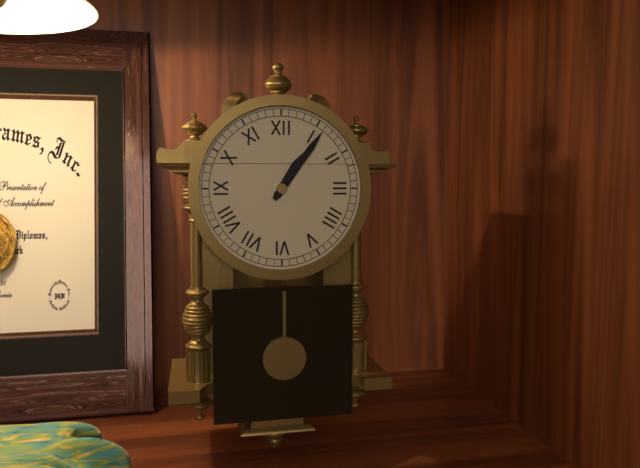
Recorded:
1 h 06 min
